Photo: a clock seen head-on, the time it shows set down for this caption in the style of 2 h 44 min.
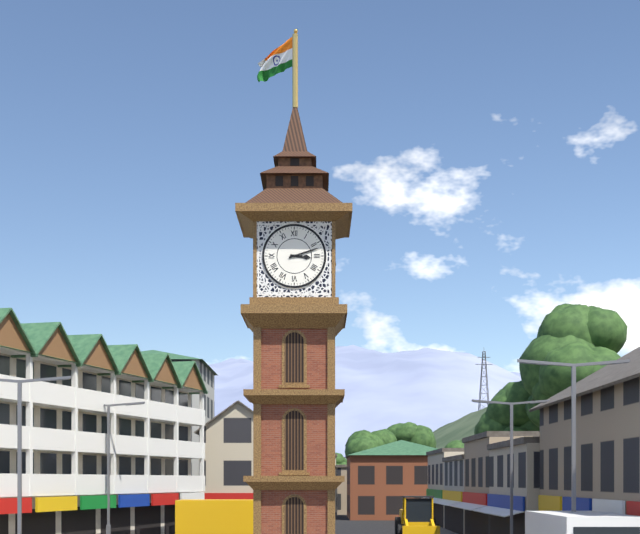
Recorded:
3 h 12 min
